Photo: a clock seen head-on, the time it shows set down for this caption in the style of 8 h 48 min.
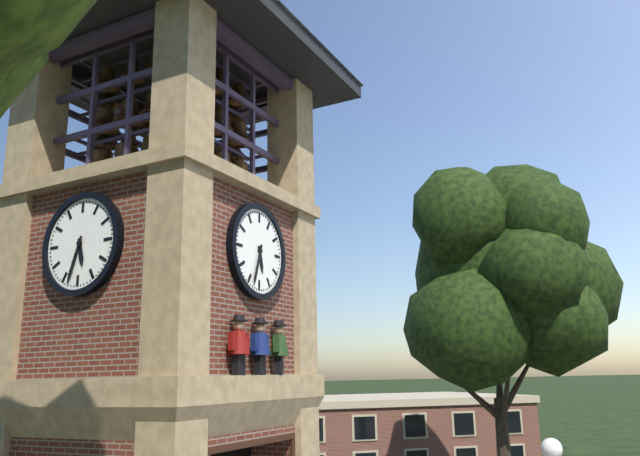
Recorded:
5 h 33 min
